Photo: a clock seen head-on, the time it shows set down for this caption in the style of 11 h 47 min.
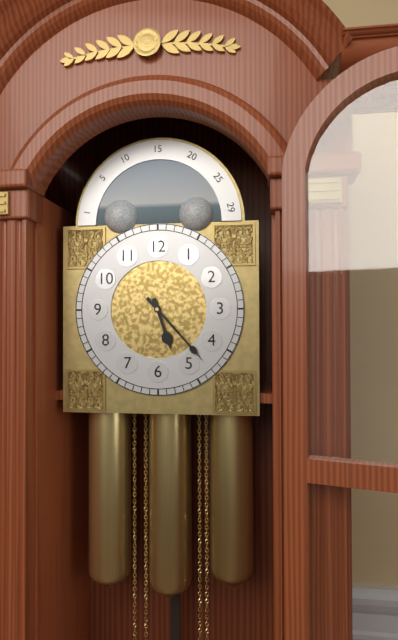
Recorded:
5 h 23 min
